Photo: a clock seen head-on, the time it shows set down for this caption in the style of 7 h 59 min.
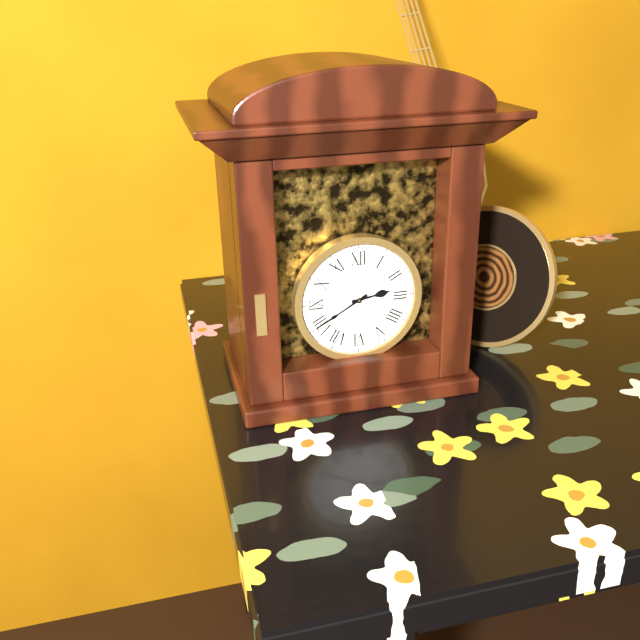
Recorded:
2 h 40 min
